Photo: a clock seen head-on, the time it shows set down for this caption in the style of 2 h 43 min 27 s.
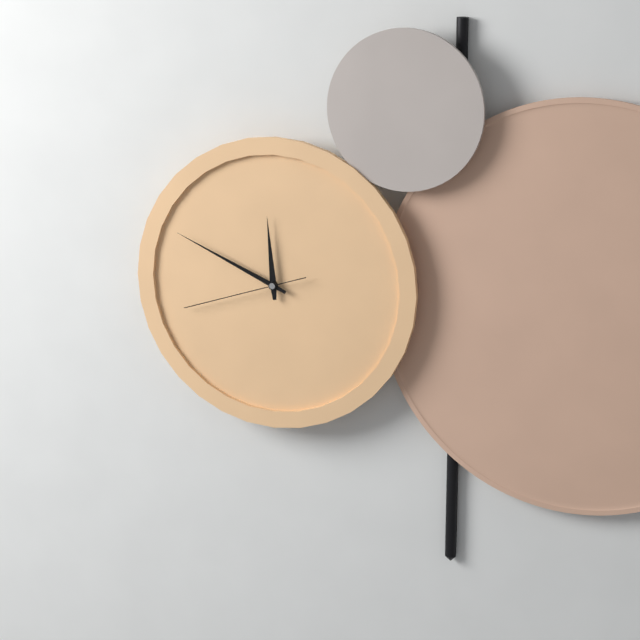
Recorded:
11 h 49 min 42 s
